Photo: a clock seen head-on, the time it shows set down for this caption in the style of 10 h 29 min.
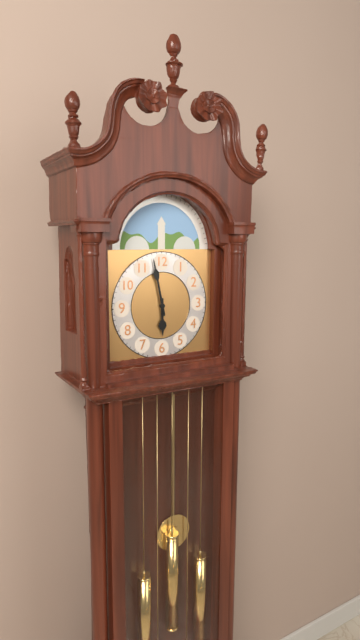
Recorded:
5 h 58 min
